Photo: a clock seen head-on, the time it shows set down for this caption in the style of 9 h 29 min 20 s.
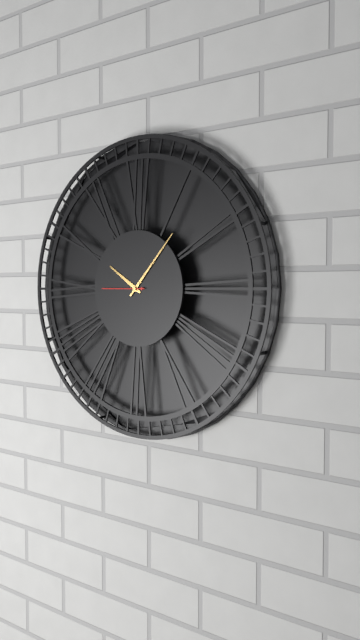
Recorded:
10 h 07 min 45 s
